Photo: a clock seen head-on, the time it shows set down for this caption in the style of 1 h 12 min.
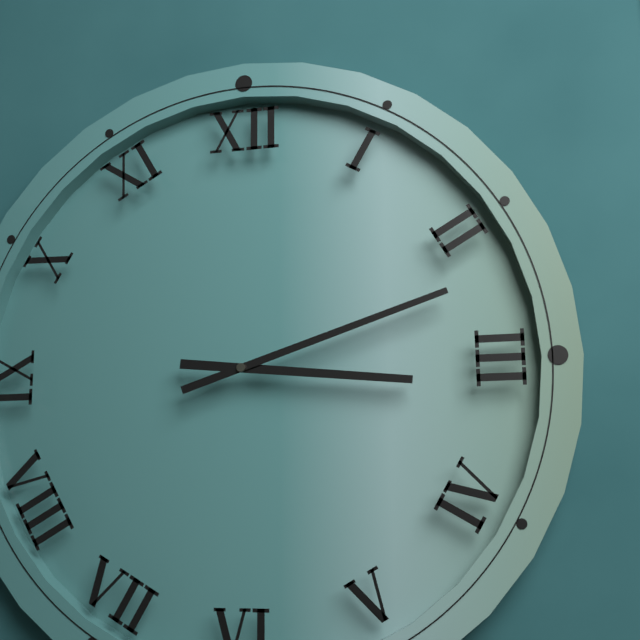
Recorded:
3 h 12 min
